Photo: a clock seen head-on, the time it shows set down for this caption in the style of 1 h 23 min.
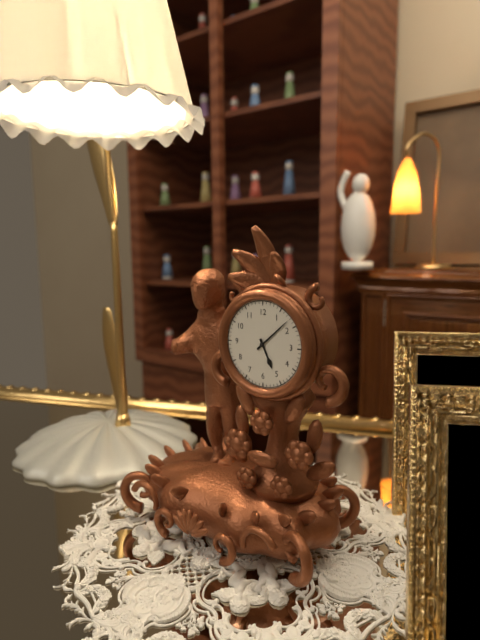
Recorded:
5 h 08 min
